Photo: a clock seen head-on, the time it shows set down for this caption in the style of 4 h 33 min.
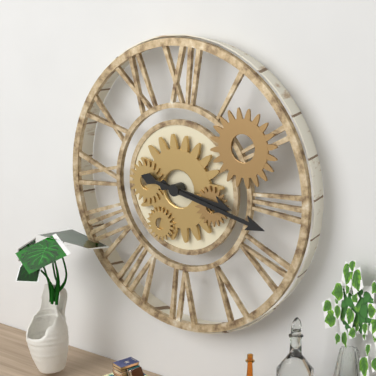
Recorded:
3 h 17 min
